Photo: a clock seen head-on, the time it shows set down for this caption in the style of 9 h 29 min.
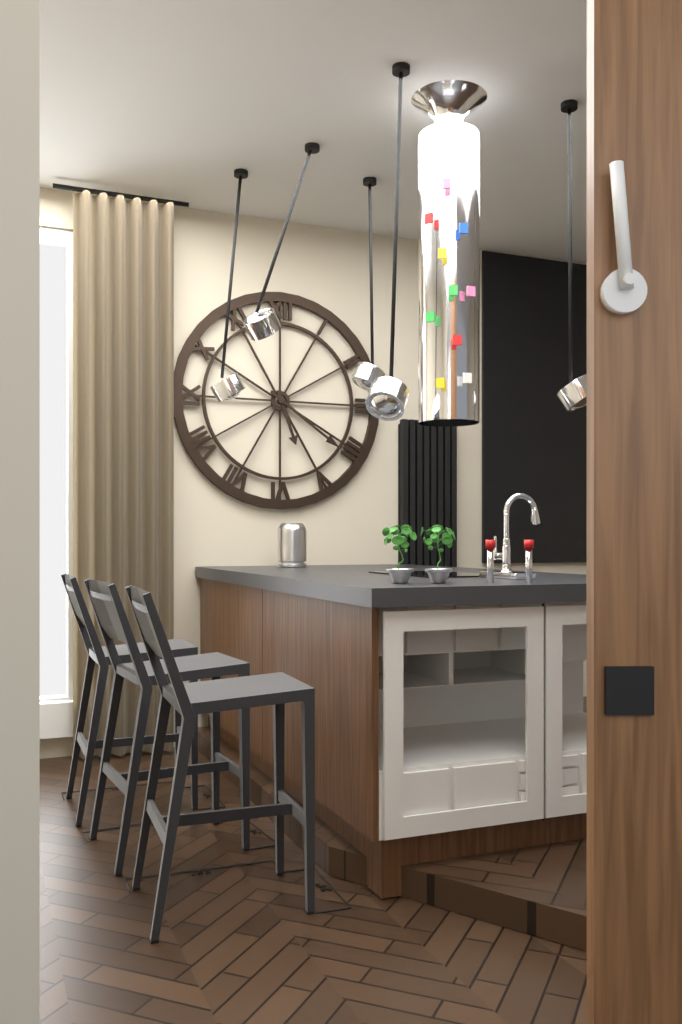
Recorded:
5 h 21 min
